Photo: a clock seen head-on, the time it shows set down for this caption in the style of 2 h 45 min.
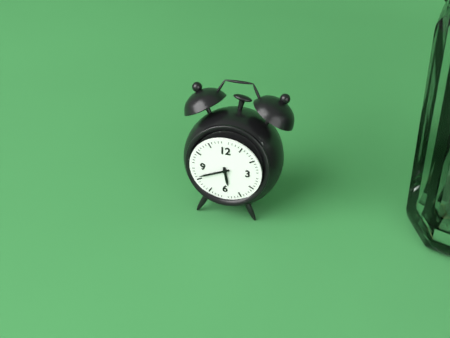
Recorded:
5 h 41 min
